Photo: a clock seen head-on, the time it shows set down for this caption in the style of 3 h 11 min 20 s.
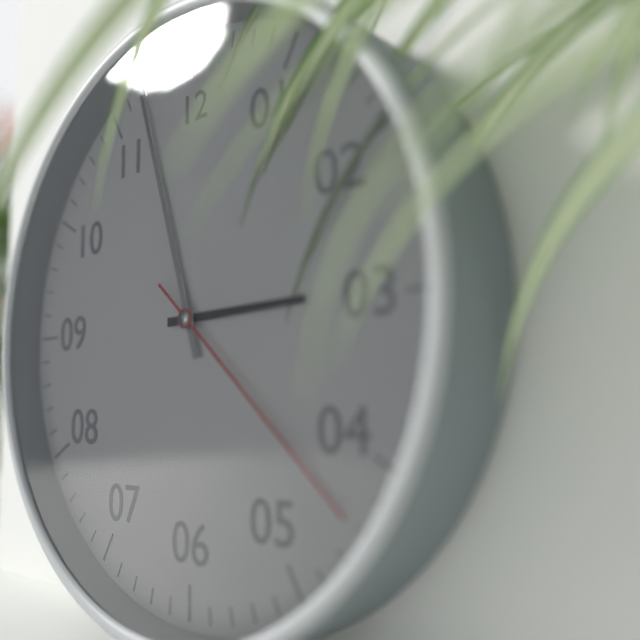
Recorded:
2 h 57 min 22 s
